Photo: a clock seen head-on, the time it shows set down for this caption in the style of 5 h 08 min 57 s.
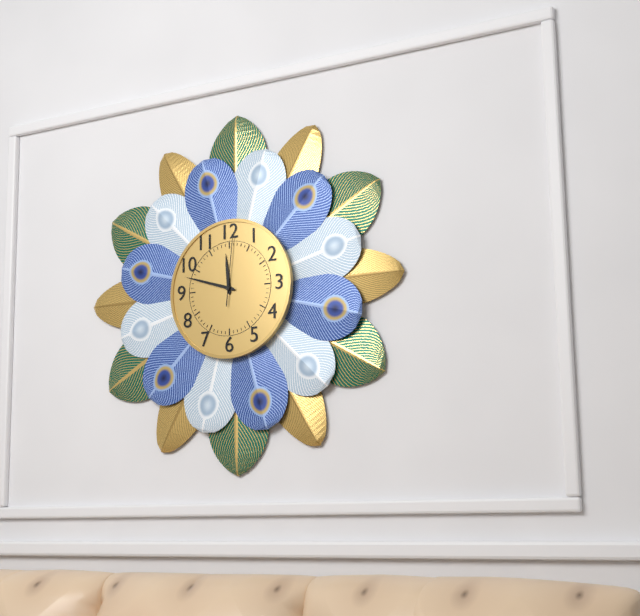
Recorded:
11 h 48 min 01 s
